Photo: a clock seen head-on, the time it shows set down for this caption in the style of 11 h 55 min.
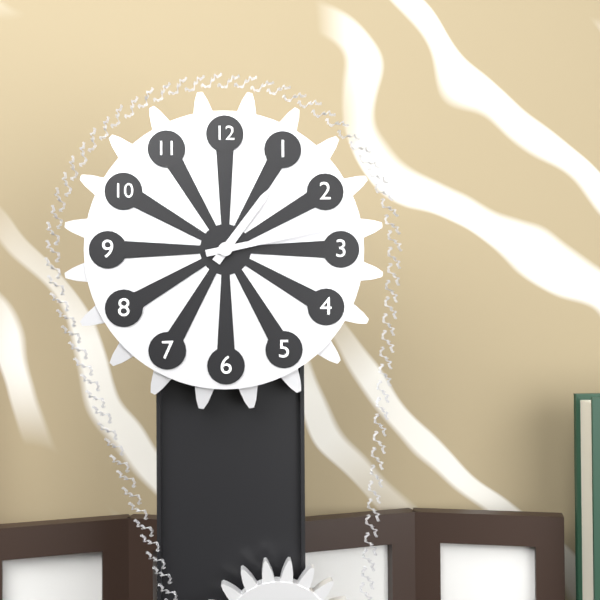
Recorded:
1 h 13 min
